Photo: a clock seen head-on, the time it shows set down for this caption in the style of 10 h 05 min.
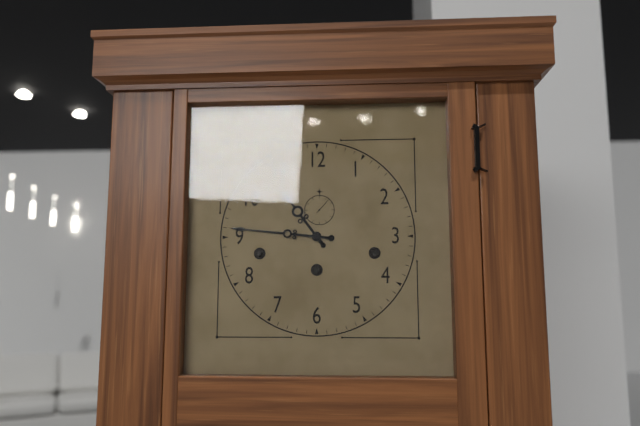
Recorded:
10 h 46 min
